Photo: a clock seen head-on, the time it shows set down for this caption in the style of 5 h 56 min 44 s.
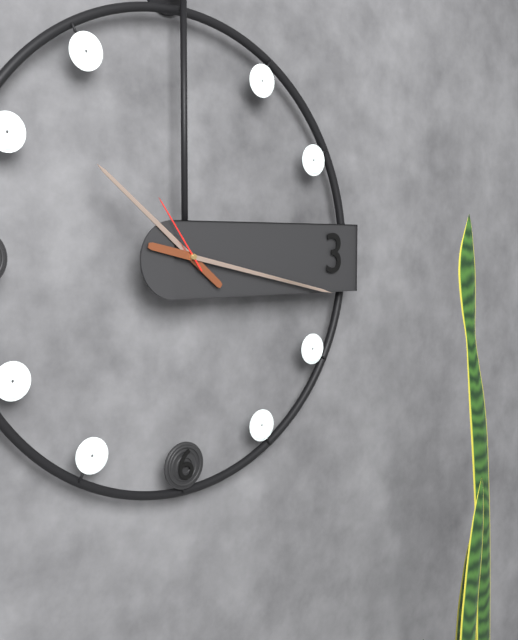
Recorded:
10 h 17 min 54 s
